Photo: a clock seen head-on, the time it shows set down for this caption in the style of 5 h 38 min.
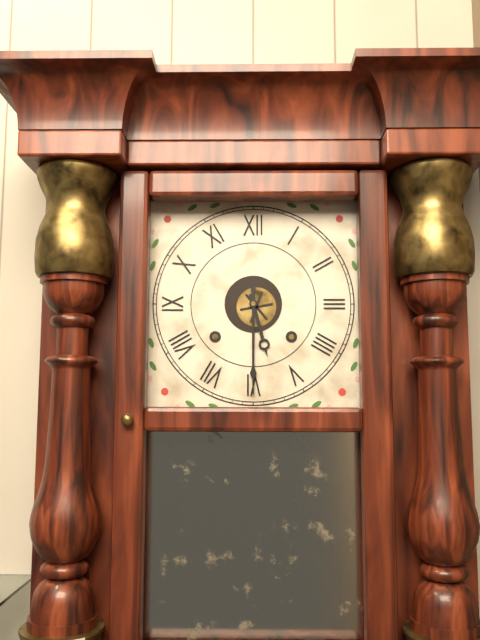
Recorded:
5 h 30 min
